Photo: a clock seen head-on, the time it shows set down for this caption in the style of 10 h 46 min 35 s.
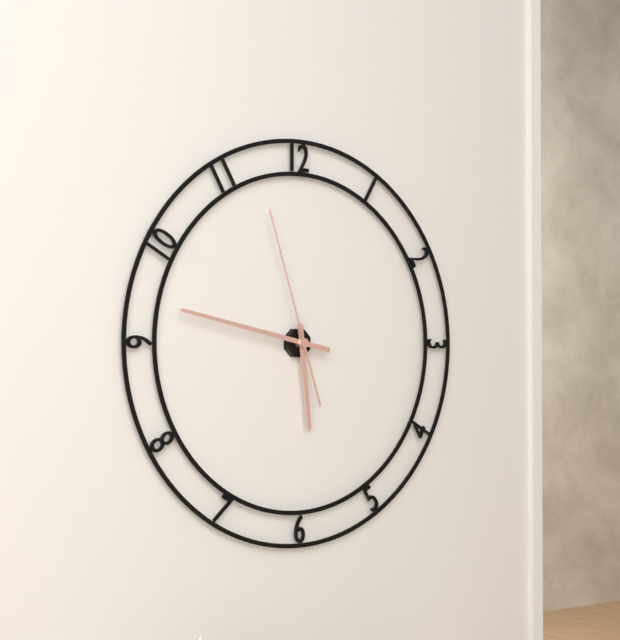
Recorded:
5 h 47 min 57 s
